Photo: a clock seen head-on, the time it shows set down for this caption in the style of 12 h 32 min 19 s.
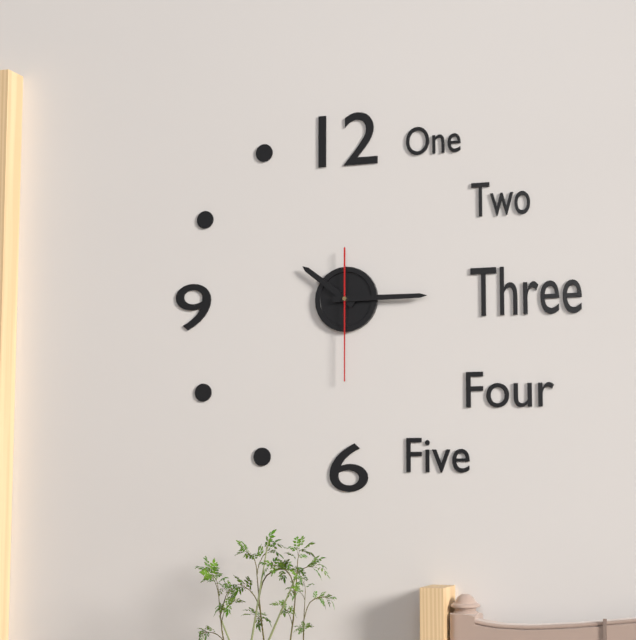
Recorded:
10 h 15 min 30 s
